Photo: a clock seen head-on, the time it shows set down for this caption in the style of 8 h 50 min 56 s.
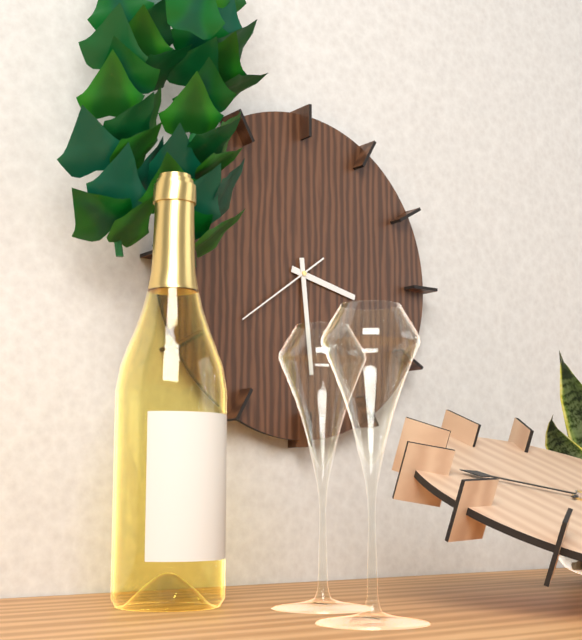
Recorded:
3 h 29 min 39 s
